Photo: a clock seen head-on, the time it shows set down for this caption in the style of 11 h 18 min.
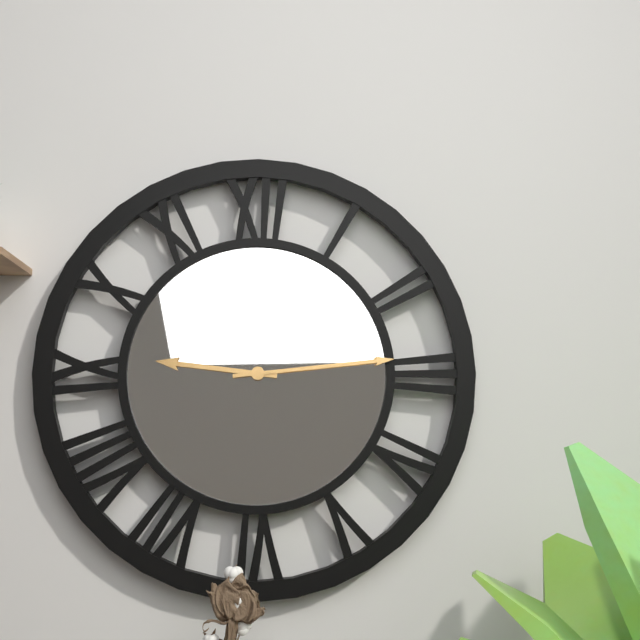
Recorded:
9 h 14 min
